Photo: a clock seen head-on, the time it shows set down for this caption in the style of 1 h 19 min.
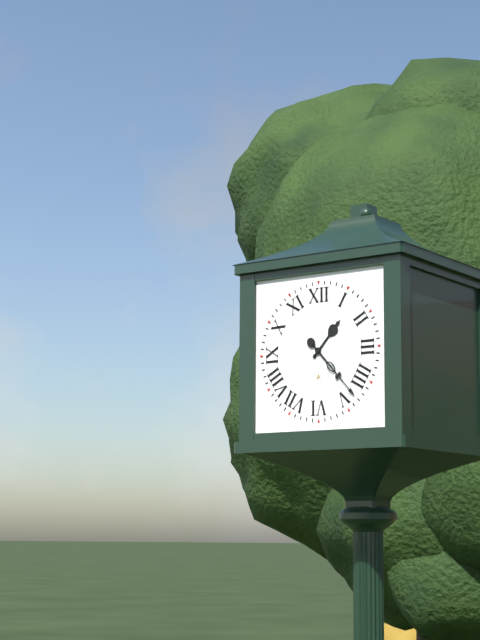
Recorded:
1 h 23 min
